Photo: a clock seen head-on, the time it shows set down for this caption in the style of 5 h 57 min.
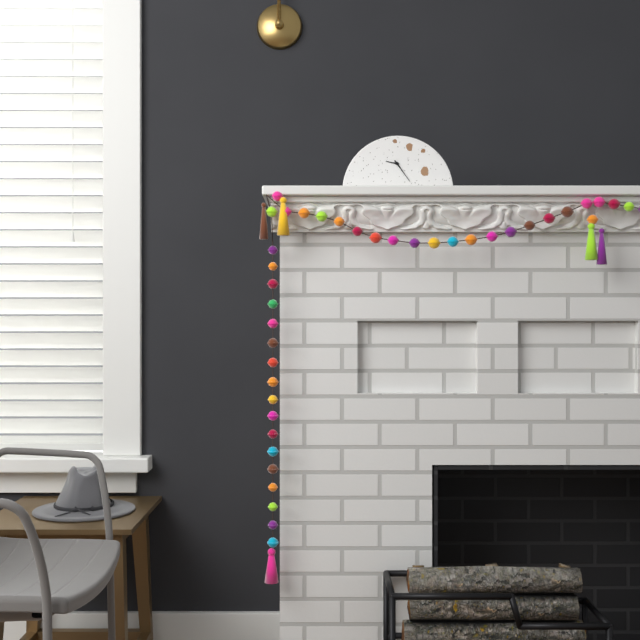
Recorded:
9 h 24 min
